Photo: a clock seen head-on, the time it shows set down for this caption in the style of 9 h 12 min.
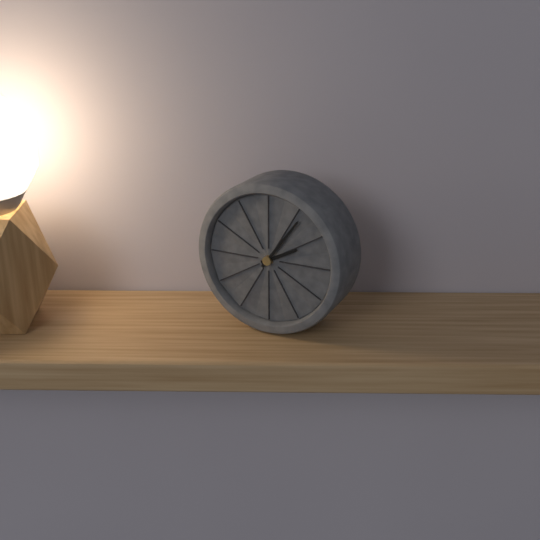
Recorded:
2 h 06 min
